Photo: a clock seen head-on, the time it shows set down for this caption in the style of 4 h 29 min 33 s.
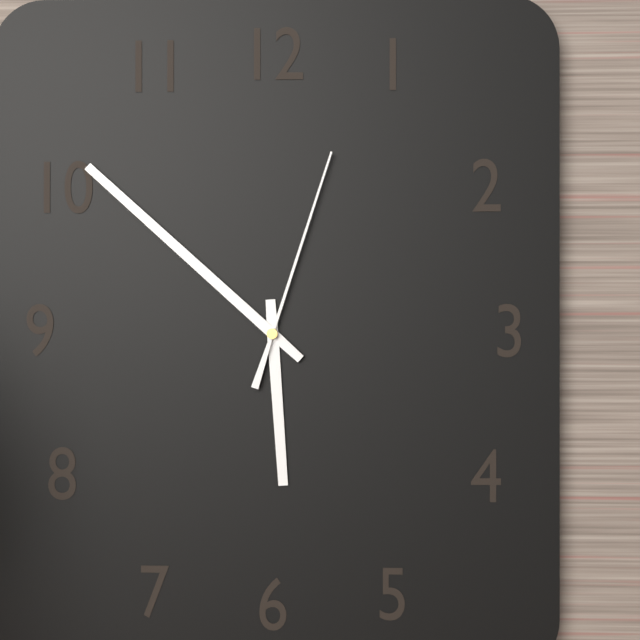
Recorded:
5 h 52 min 03 s
